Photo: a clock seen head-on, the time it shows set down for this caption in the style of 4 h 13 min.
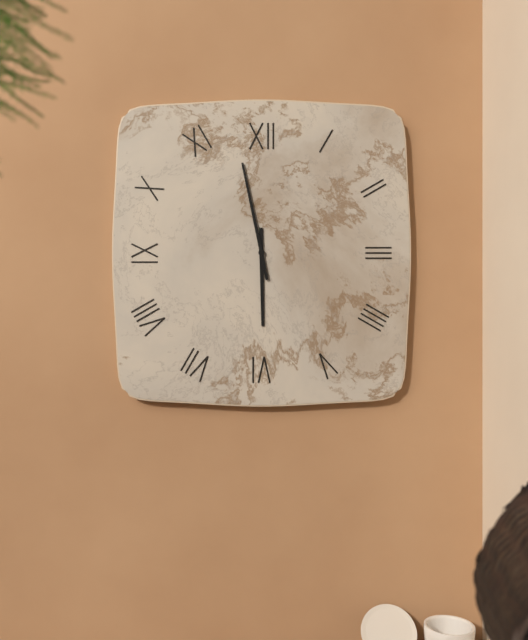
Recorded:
5 h 58 min
